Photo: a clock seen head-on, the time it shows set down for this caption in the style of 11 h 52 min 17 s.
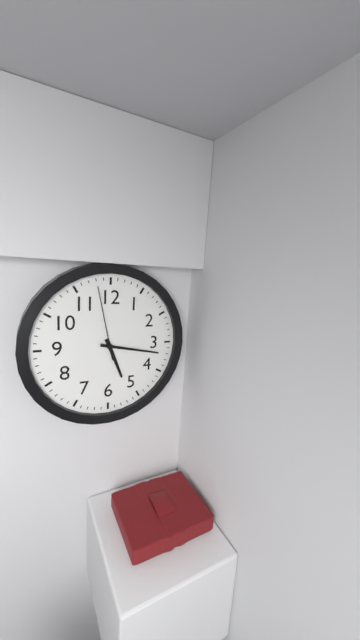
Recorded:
5 h 17 min 58 s
